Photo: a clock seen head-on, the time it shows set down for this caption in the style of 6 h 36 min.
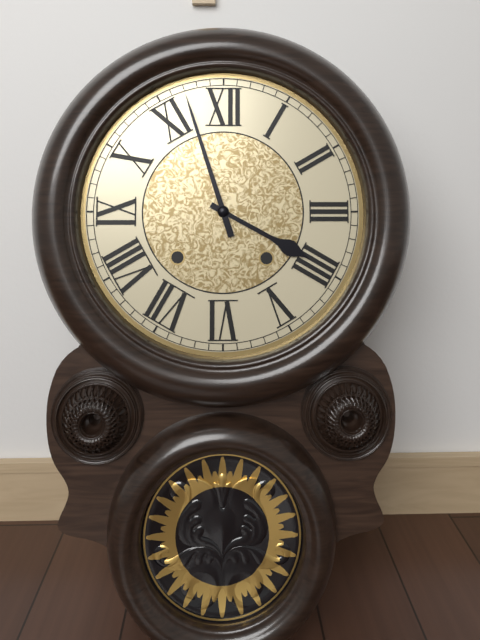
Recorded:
3 h 57 min
